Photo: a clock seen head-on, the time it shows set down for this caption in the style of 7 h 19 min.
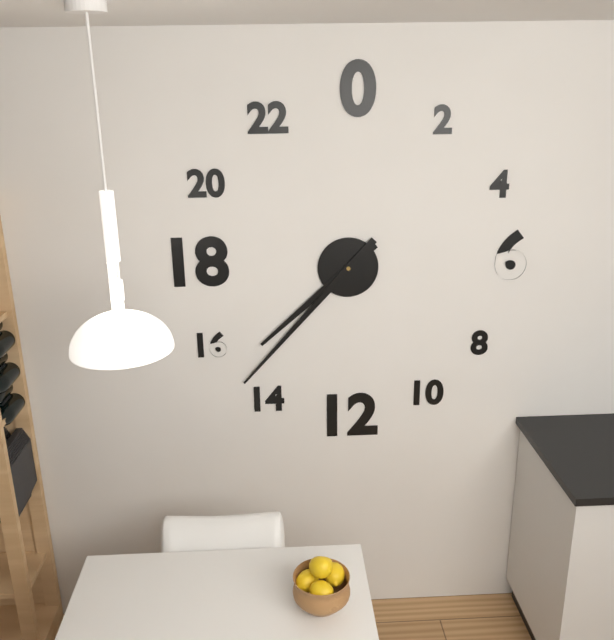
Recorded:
7 h 37 min
